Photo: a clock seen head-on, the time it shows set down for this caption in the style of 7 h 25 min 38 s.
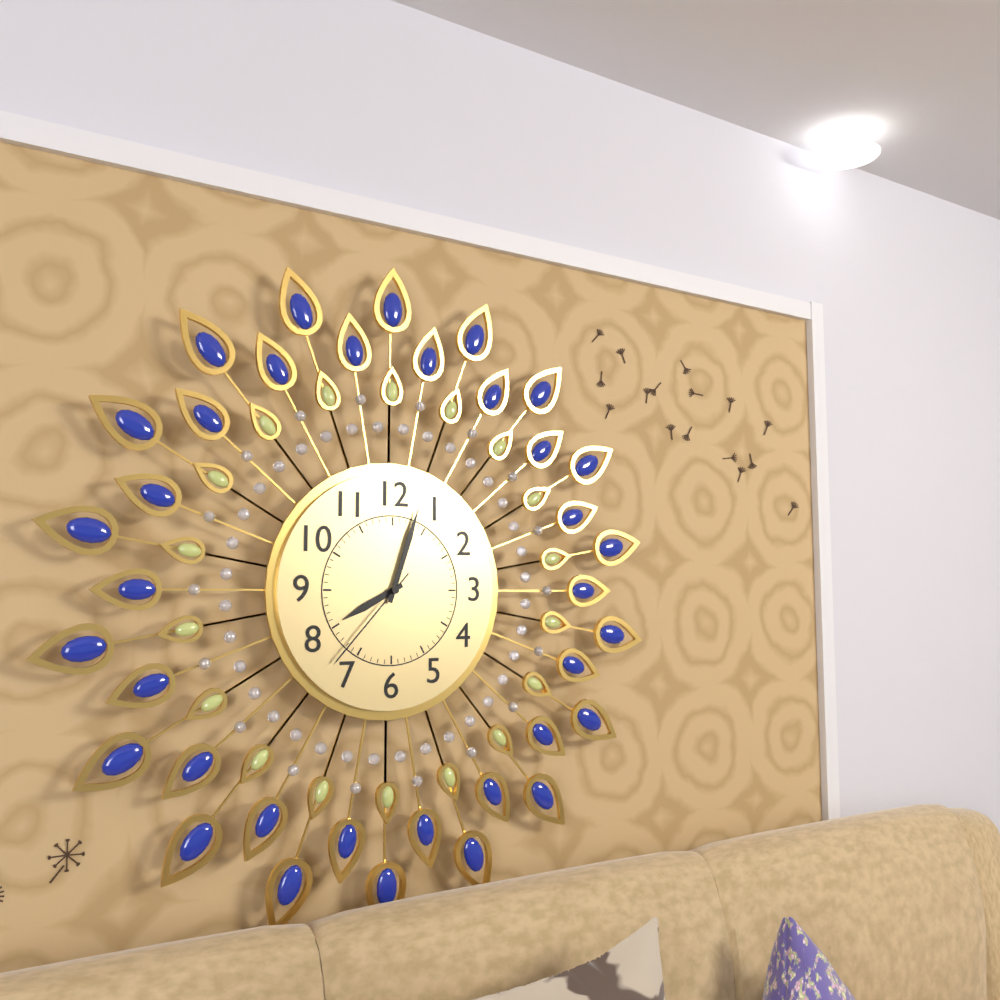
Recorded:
8 h 03 min 37 s
